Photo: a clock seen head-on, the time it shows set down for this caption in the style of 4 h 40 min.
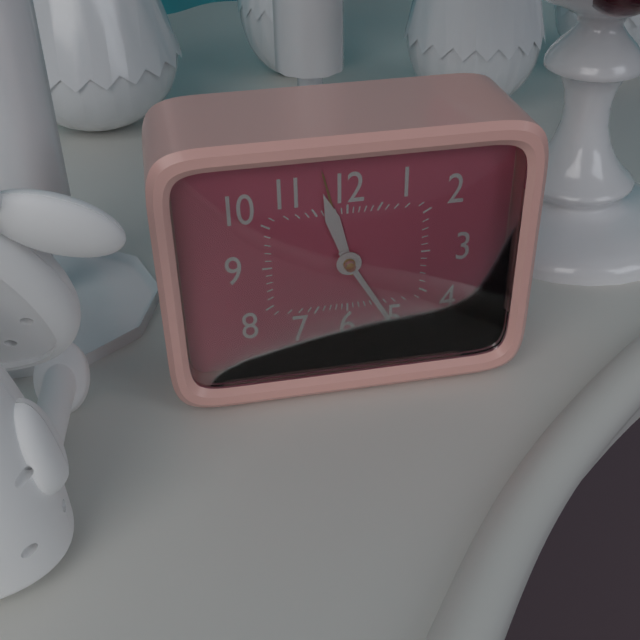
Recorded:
11 h 25 min
